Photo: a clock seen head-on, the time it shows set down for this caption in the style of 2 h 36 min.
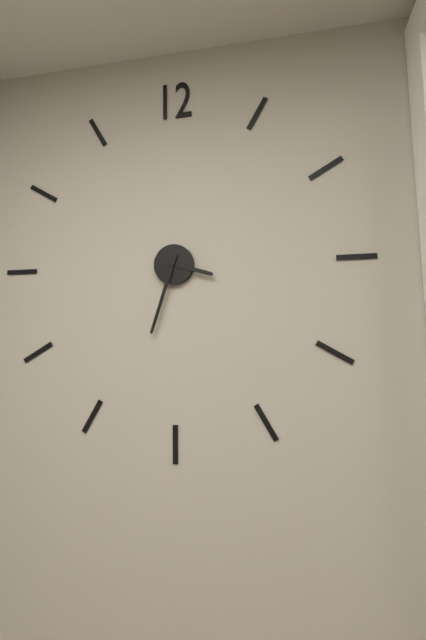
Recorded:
3 h 33 min
